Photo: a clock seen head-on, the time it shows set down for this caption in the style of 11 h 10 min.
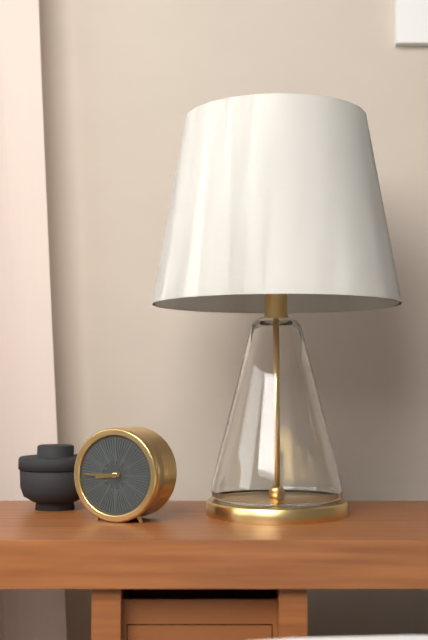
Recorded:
8 h 45 min
